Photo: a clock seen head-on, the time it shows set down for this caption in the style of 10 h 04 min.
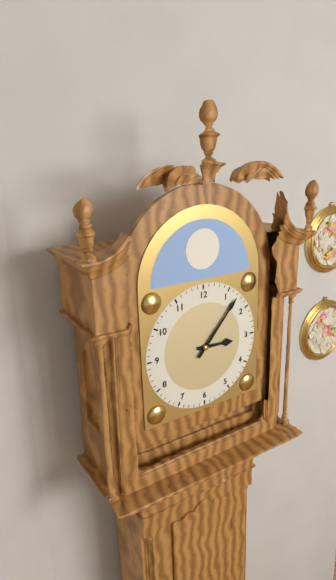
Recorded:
3 h 07 min
